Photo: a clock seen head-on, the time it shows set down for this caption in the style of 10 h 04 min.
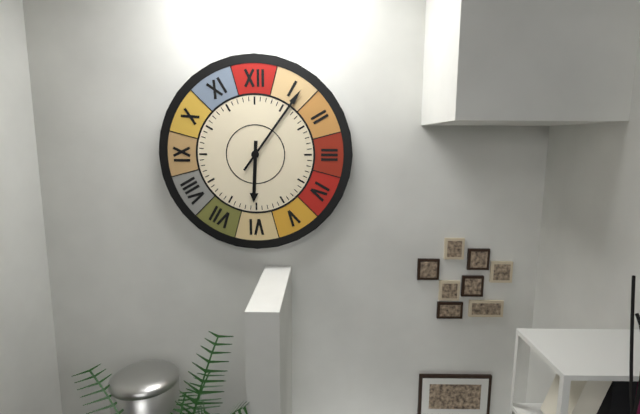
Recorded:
6 h 06 min
